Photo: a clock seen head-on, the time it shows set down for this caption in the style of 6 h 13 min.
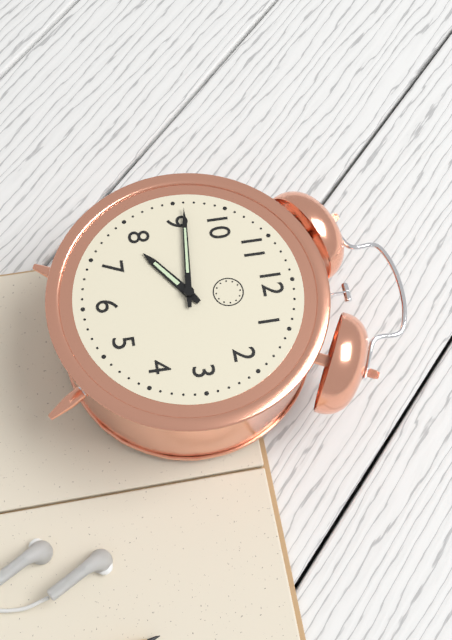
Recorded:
7 h 46 min
